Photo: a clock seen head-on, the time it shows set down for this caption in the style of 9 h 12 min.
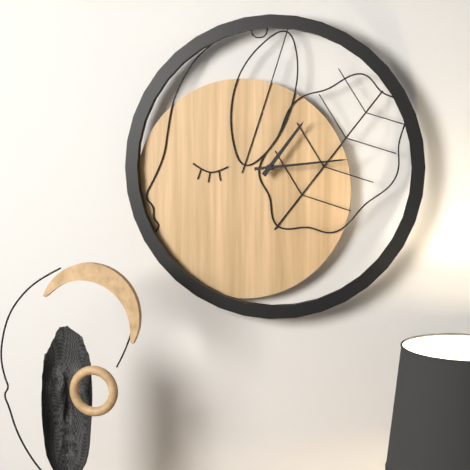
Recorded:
1 h 14 min
